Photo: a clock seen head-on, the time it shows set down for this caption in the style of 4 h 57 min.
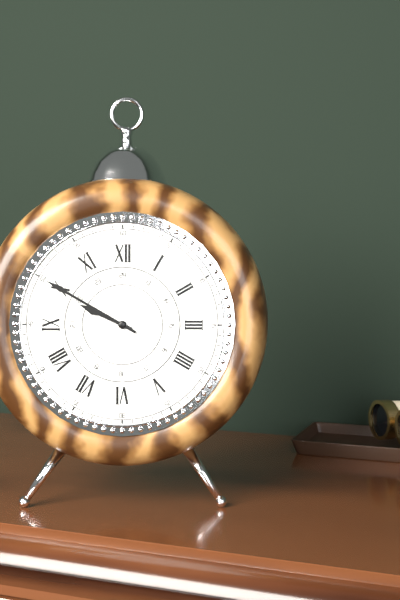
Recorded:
9 h 50 min
